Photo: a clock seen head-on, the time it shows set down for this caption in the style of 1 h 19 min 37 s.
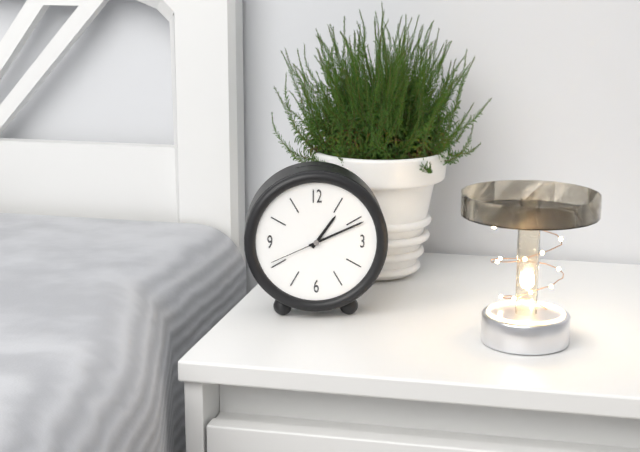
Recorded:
1 h 11 min 41 s
